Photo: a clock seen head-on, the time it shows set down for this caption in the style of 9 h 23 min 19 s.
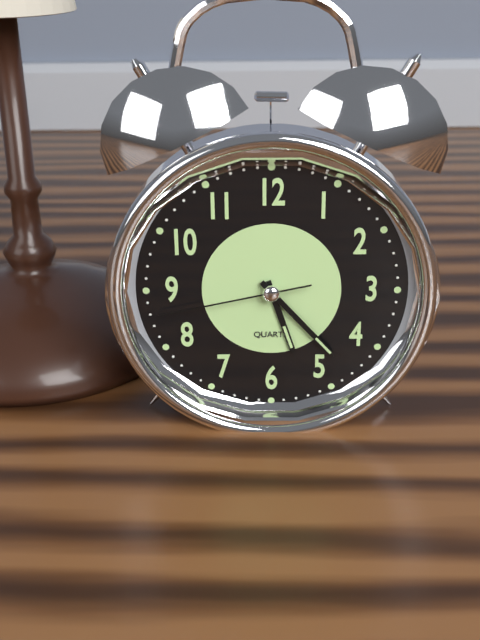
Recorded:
5 h 23 min 43 s
